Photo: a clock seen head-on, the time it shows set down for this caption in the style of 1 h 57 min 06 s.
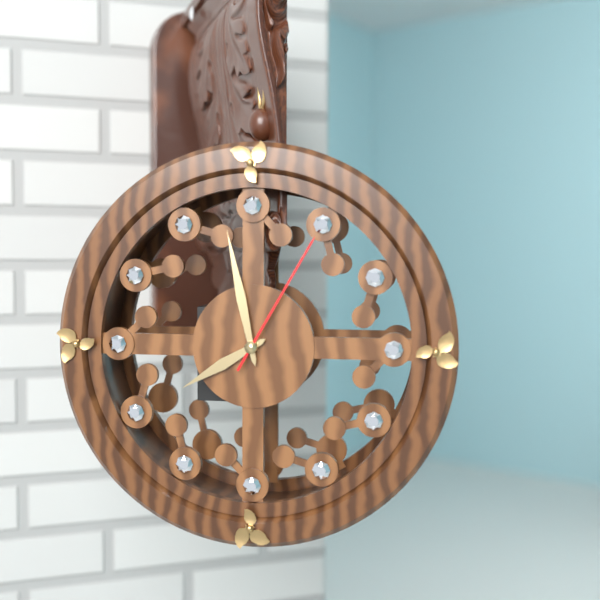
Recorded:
7 h 58 min 05 s
